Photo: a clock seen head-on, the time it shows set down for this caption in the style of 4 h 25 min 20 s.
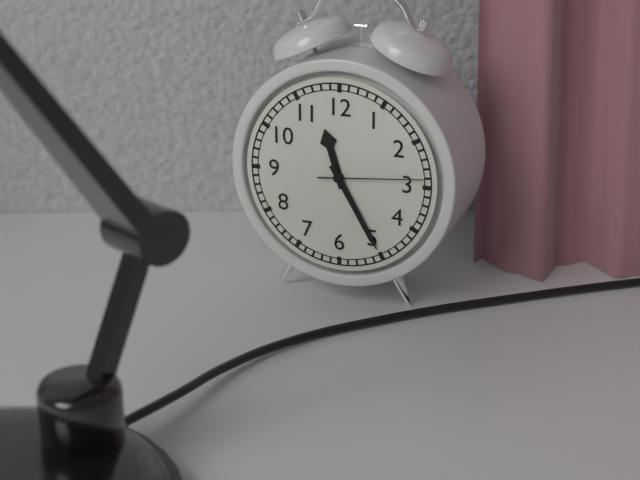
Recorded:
11 h 25 min 14 s
